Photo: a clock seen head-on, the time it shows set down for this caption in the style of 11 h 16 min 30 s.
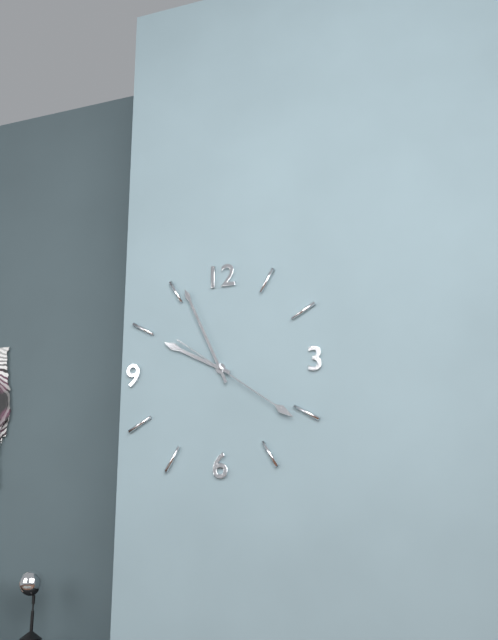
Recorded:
9 h 56 min 21 s
